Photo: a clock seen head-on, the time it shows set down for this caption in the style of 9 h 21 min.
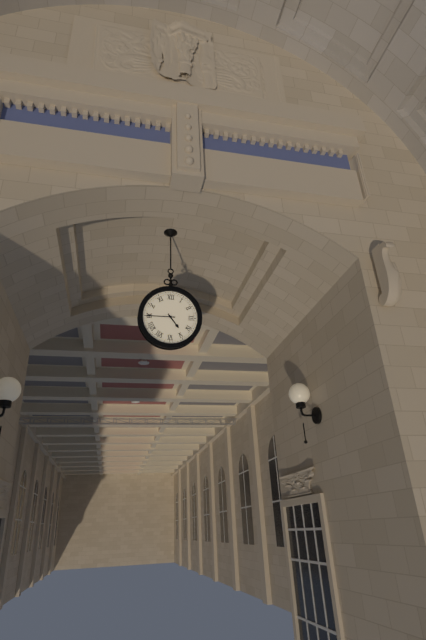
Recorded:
4 h 45 min
